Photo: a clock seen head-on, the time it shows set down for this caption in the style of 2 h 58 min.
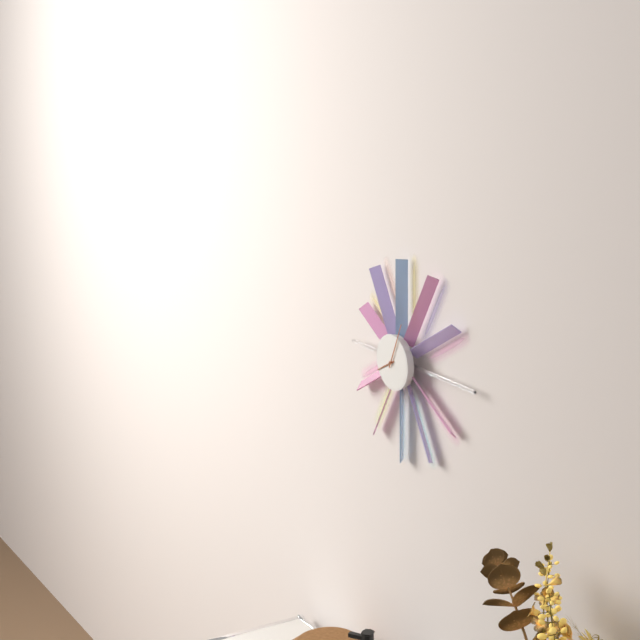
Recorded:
8 h 04 min
